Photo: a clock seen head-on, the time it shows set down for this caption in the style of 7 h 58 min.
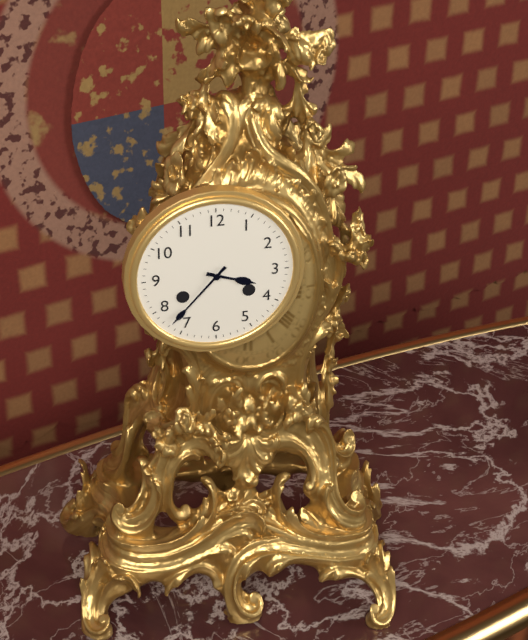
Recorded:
3 h 37 min
